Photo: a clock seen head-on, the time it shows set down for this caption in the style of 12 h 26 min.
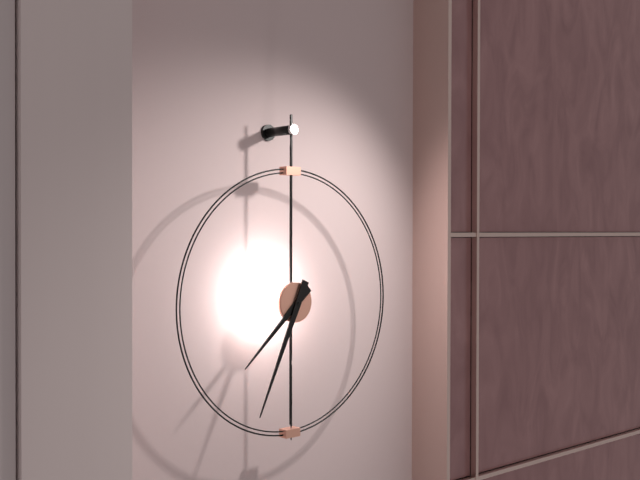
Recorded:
7 h 34 min
